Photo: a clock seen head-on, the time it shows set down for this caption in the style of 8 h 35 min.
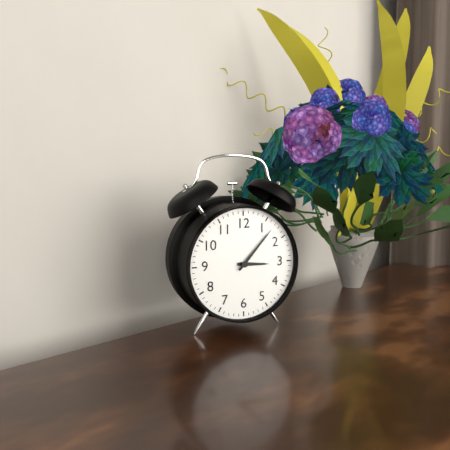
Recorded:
3 h 07 min
